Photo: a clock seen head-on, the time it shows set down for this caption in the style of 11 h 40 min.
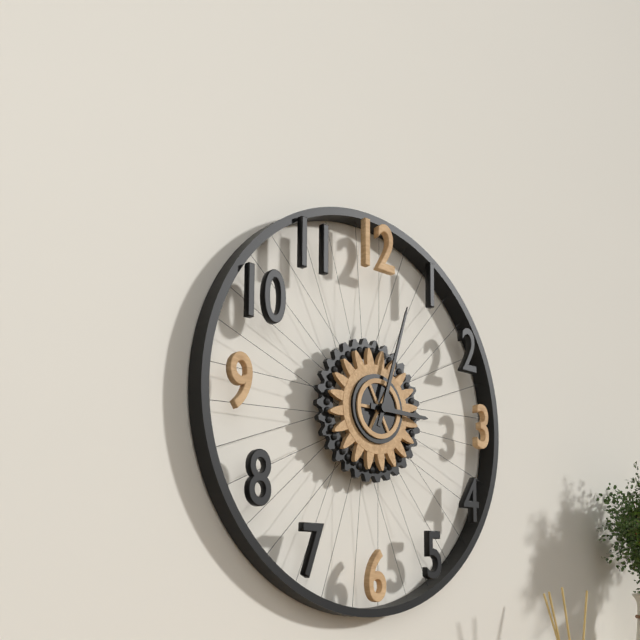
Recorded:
3 h 03 min
